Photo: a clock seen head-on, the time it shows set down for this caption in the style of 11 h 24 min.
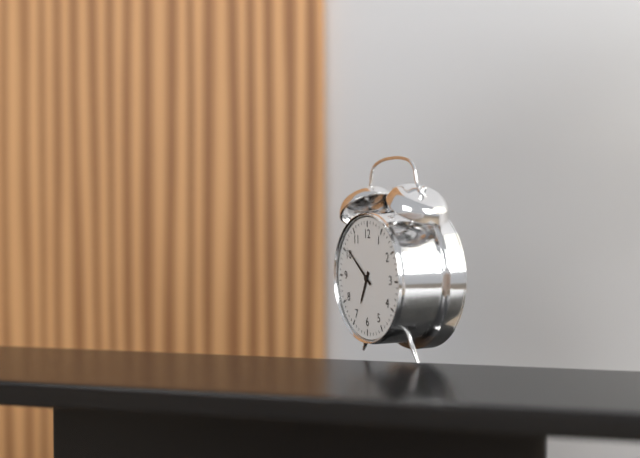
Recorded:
6 h 51 min
